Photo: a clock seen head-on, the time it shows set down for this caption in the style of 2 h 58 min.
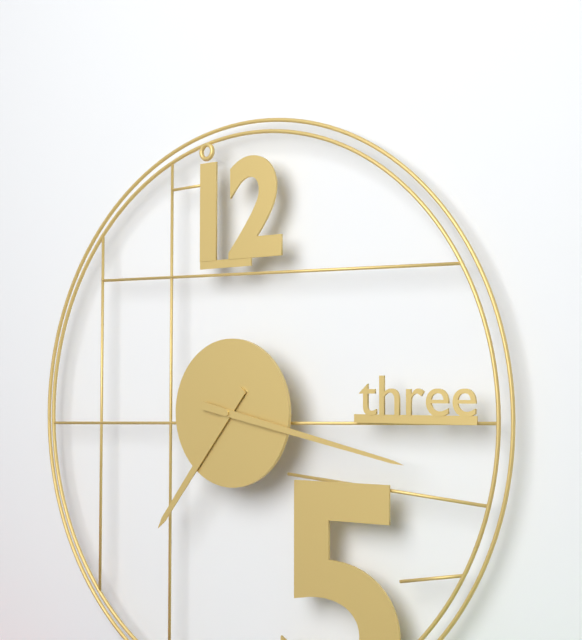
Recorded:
7 h 17 min
